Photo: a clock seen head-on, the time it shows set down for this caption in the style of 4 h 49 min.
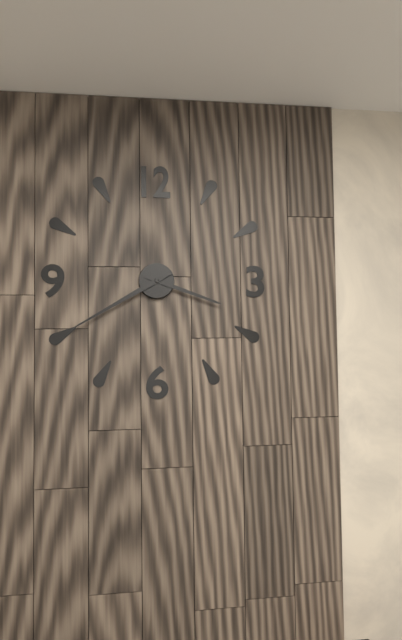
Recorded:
3 h 40 min
